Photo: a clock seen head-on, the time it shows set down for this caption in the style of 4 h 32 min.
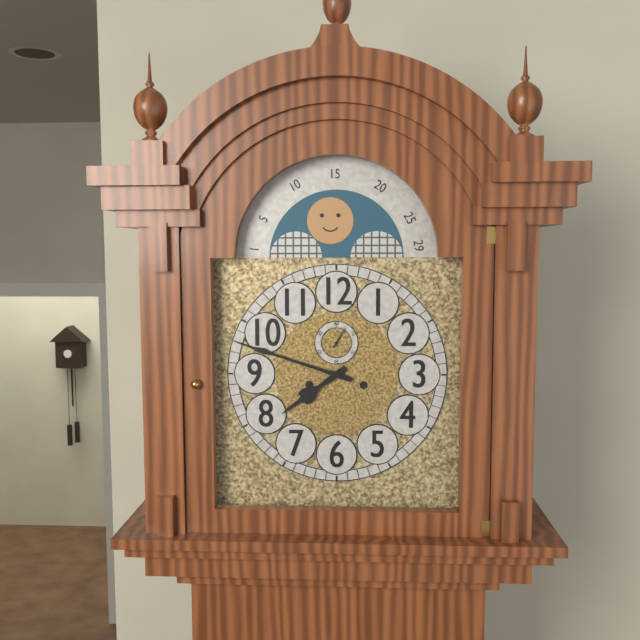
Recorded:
7 h 48 min
